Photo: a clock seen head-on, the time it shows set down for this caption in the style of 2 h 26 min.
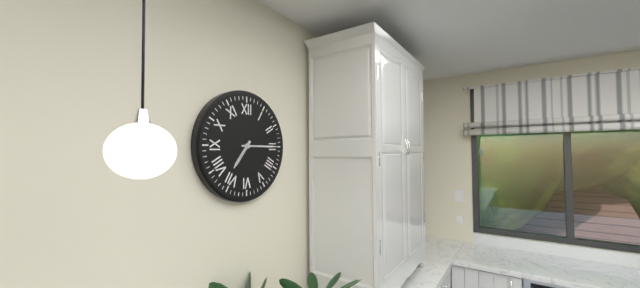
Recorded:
7 h 15 min
